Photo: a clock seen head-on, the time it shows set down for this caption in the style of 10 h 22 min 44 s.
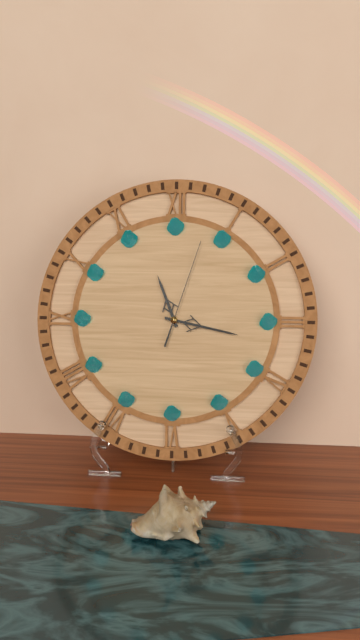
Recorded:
11 h 17 min 03 s
